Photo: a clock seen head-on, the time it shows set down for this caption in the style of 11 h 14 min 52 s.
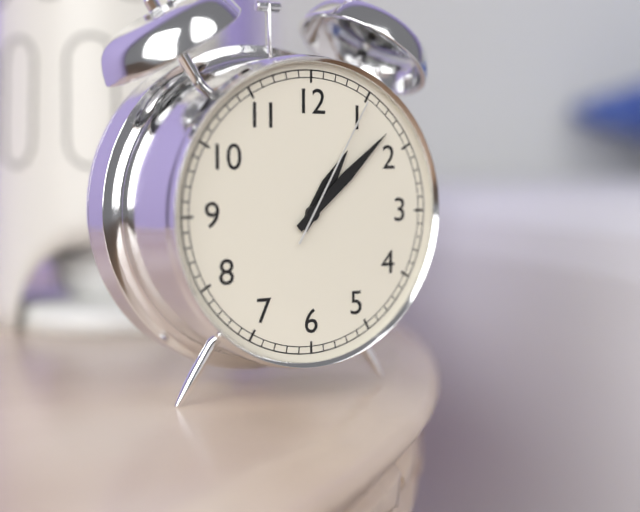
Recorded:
1 h 08 min 05 s
